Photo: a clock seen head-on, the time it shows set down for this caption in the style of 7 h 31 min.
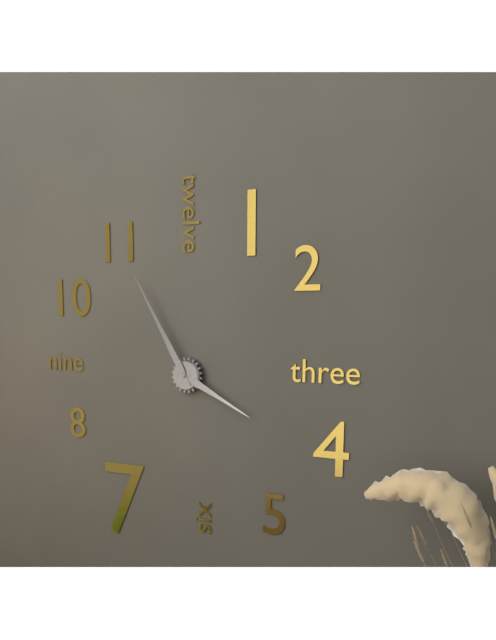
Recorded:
3 h 55 min
